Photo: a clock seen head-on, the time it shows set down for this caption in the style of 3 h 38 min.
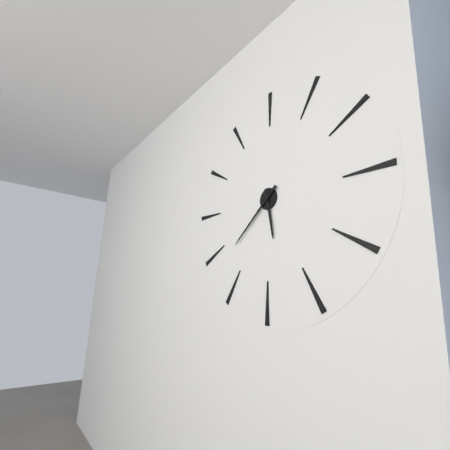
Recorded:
5 h 38 min
